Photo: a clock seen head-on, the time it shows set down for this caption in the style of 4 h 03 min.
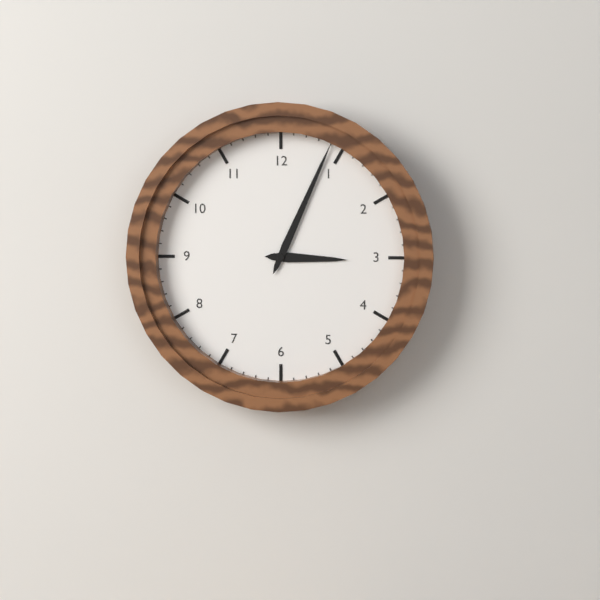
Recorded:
3 h 04 min
